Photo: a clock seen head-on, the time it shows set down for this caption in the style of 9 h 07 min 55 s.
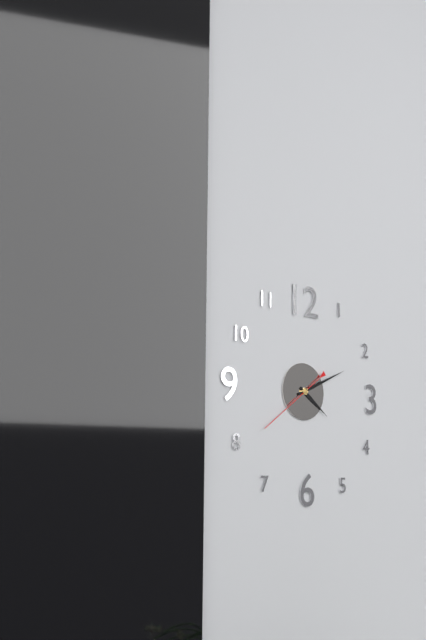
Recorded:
4 h 11 min 39 s
